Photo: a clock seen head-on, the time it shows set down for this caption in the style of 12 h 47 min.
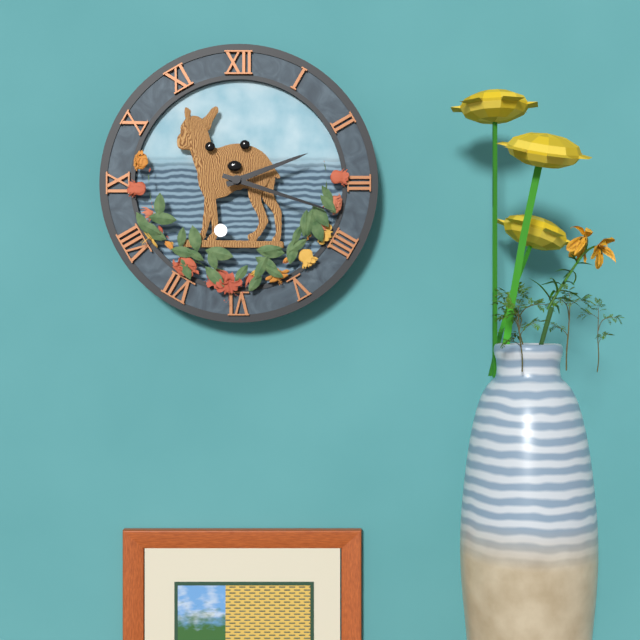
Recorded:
2 h 18 min
